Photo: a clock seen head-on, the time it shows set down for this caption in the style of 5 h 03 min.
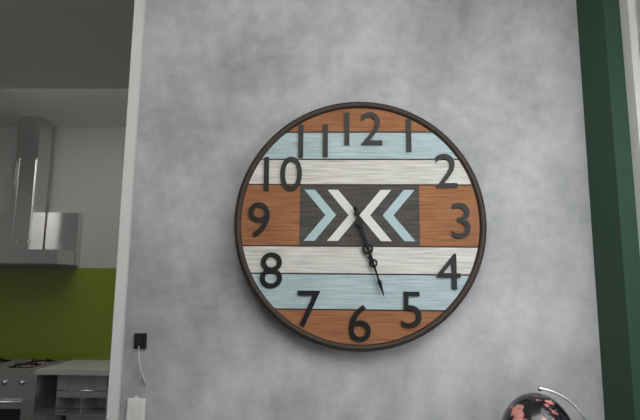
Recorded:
5 h 27 min
